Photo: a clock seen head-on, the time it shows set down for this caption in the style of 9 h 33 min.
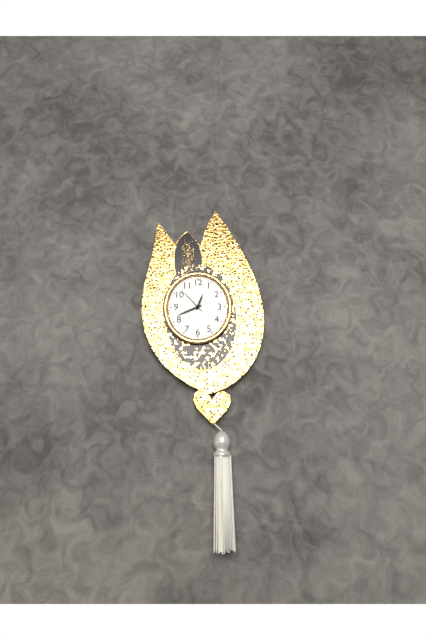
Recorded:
12 h 41 min
